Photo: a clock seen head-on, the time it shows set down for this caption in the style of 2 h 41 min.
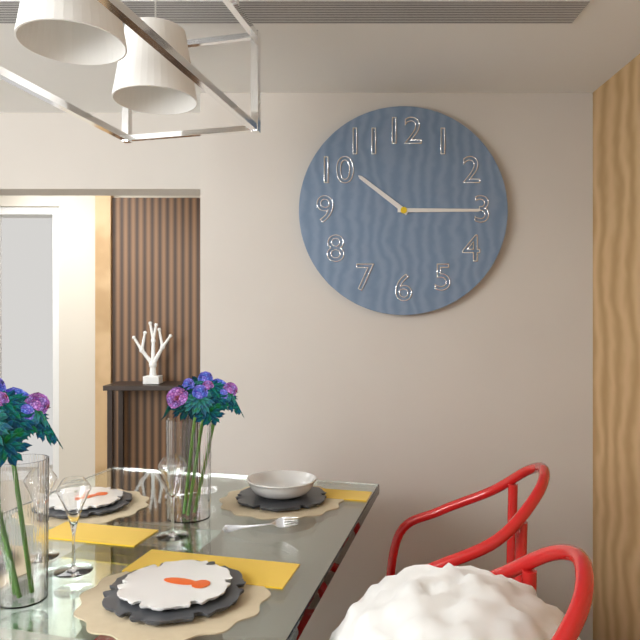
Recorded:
10 h 15 min
